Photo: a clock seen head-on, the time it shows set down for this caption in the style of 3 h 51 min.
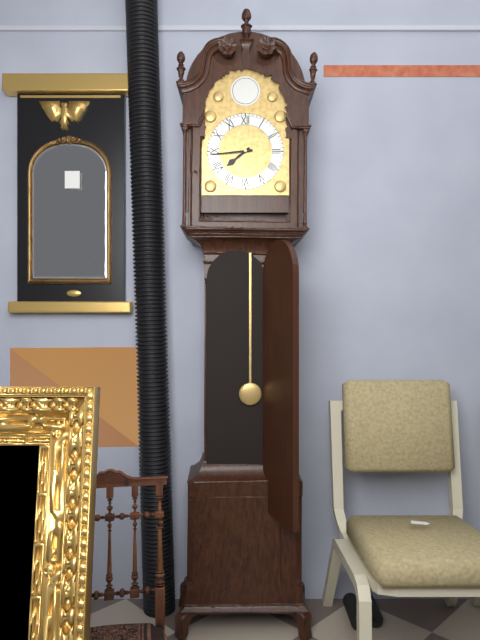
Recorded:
7 h 44 min
